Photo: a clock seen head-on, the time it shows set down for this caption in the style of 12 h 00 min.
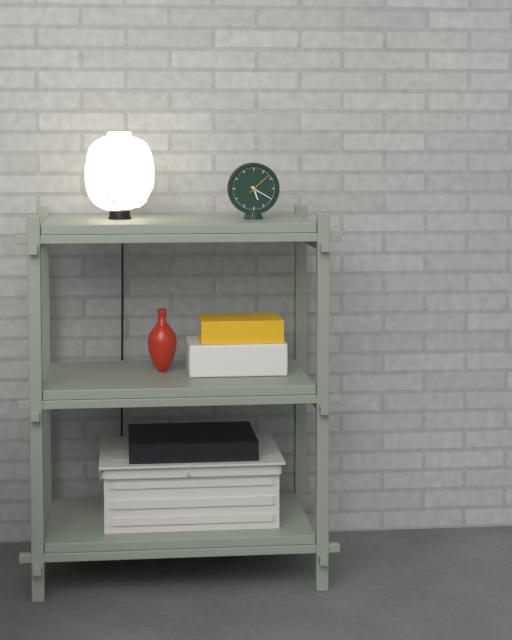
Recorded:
5 h 20 min
